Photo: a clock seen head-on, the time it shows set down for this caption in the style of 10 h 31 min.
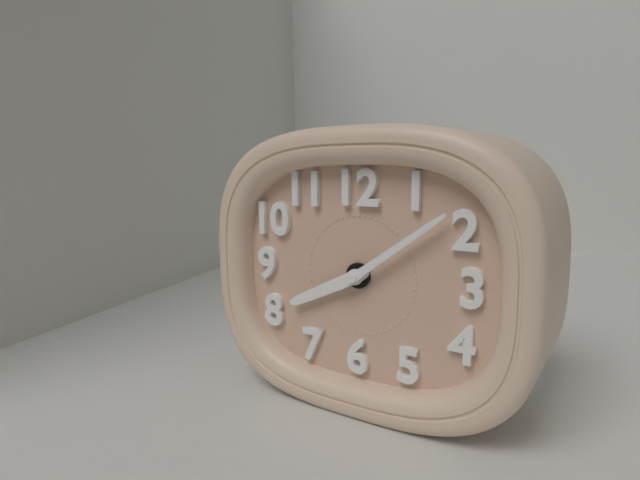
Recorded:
8 h 09 min
